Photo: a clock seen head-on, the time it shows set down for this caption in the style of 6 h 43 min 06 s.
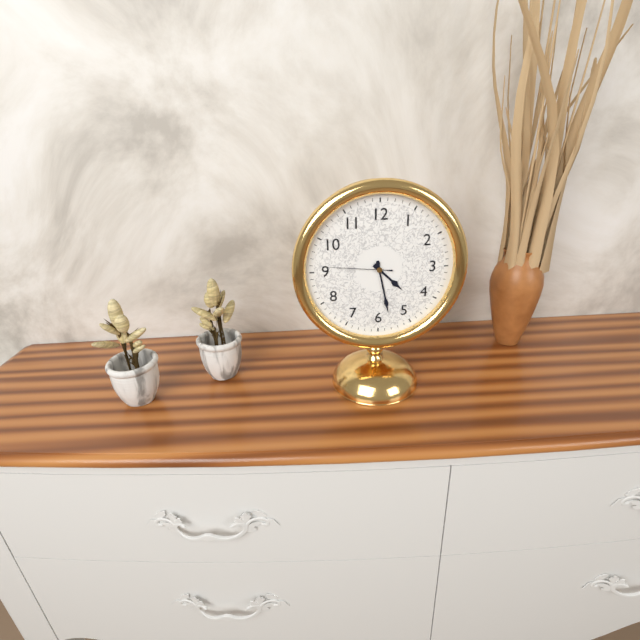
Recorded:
4 h 28 min 46 s
